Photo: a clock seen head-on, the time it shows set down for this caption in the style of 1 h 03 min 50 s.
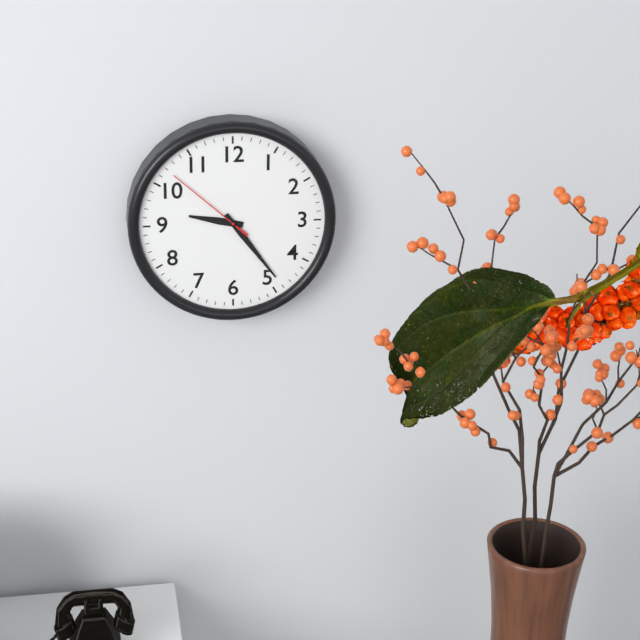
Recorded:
9 h 24 min 52 s
